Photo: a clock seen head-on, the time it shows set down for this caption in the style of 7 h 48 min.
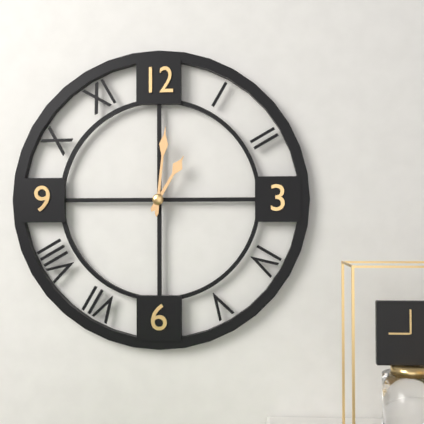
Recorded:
1 h 01 min
